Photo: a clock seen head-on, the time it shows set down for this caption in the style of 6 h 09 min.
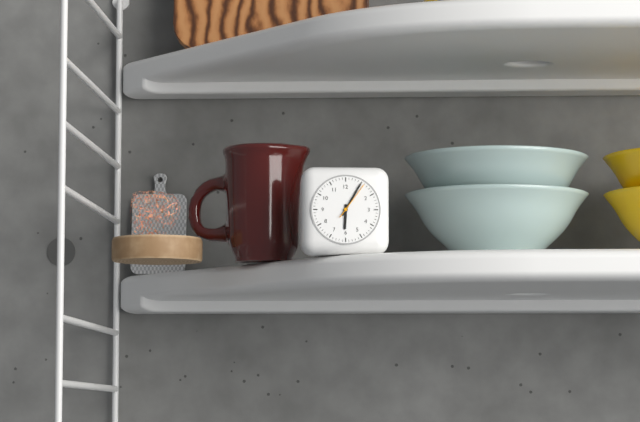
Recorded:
6 h 05 min
